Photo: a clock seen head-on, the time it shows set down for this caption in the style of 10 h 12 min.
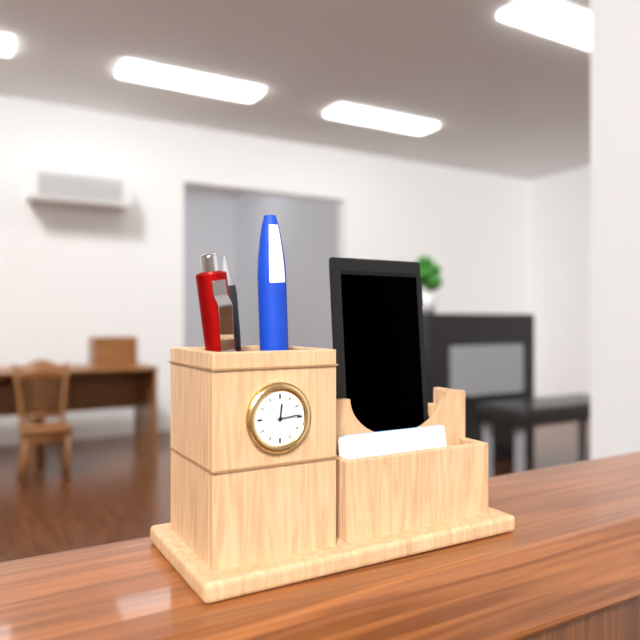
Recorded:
12 h 14 min
